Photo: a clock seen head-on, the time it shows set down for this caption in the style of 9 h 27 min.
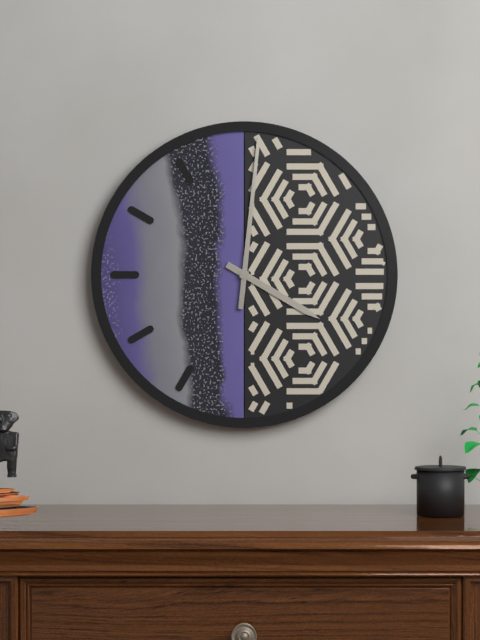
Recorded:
4 h 01 min
